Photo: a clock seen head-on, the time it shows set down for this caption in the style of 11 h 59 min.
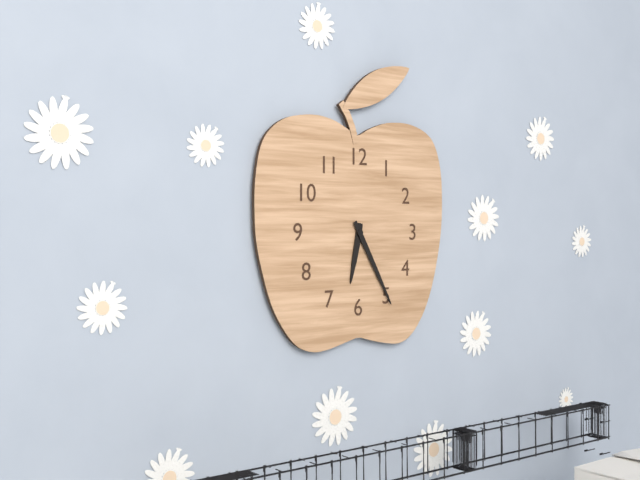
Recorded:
6 h 25 min
